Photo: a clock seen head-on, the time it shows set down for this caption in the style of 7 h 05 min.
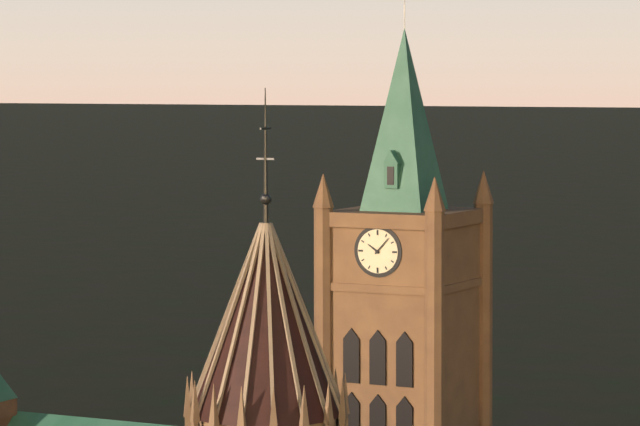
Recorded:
10 h 07 min
